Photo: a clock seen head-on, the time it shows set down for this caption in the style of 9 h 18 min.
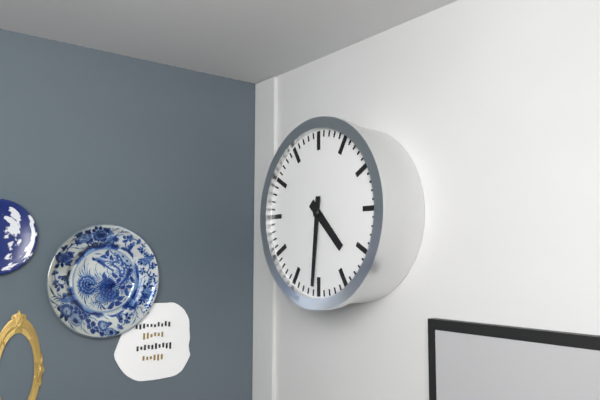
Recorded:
4 h 31 min
